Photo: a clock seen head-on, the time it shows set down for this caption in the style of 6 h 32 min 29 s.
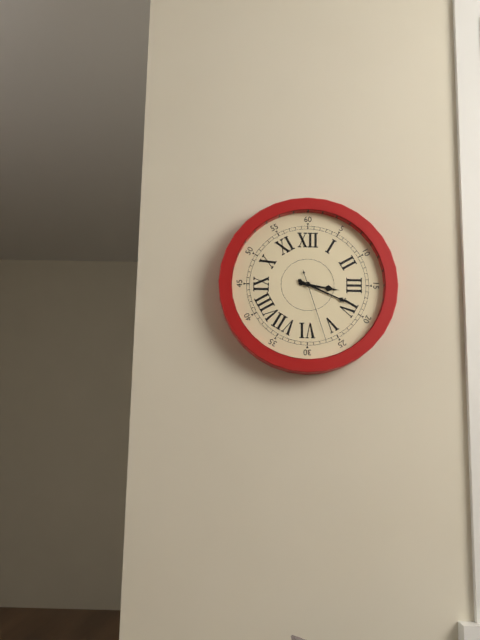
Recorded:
3 h 19 min 27 s
